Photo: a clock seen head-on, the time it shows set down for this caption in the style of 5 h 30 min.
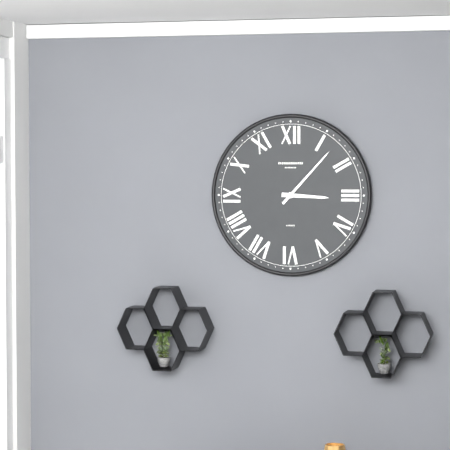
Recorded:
3 h 07 min
